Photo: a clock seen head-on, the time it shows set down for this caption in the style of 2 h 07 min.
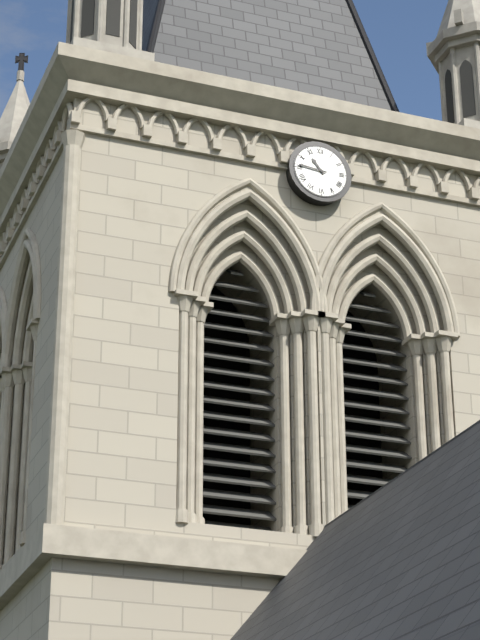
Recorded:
10 h 46 min
